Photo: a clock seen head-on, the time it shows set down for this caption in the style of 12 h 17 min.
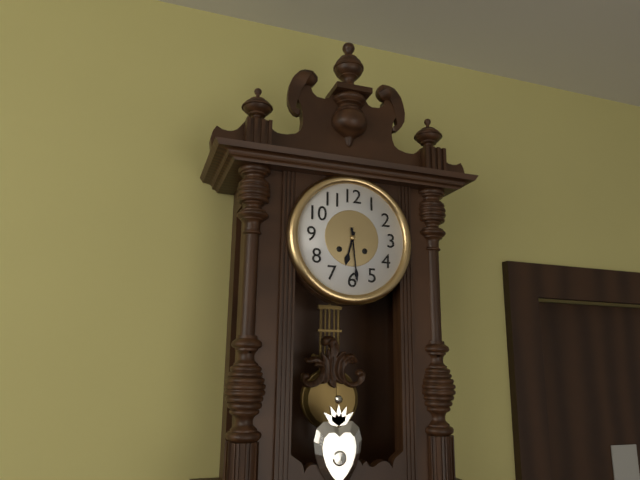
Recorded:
6 h 29 min
